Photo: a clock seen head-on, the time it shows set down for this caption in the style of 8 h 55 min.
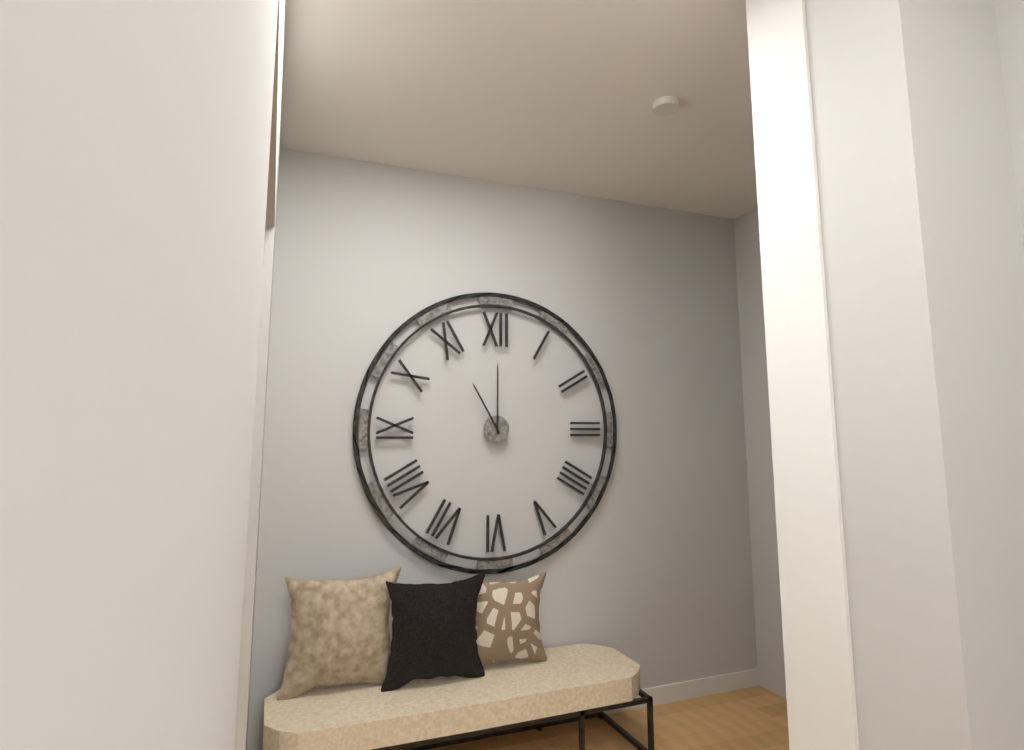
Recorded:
11 h 00 min
